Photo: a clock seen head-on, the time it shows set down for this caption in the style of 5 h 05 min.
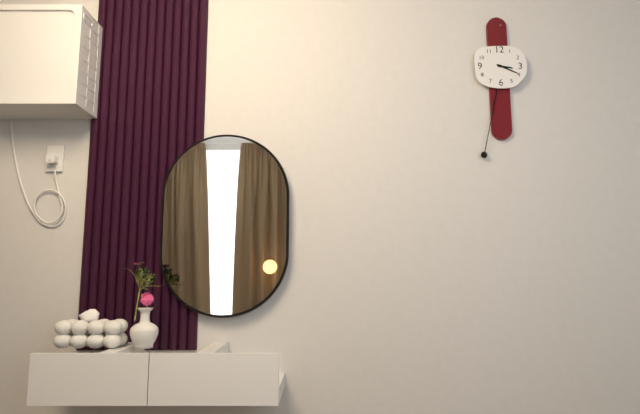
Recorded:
3 h 19 min
